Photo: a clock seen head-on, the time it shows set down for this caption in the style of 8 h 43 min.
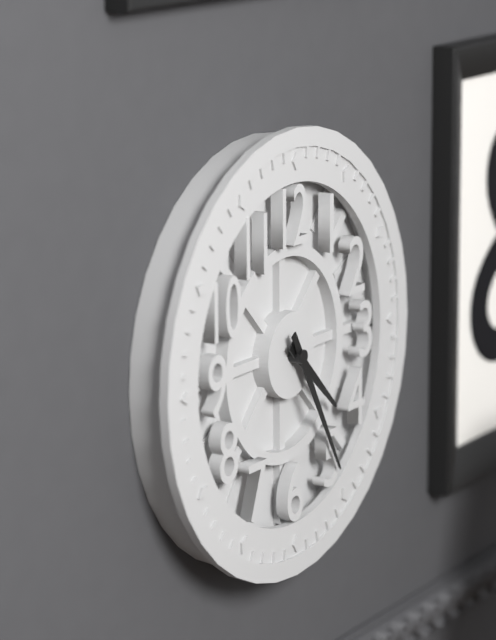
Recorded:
4 h 25 min
